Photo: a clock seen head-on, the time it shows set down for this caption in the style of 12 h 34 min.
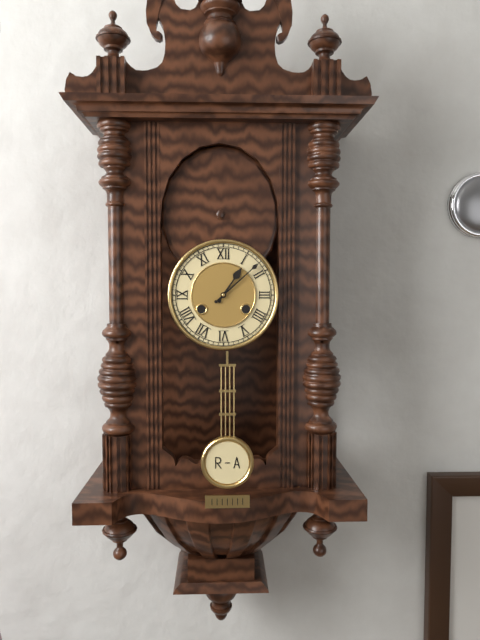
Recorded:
1 h 08 min
